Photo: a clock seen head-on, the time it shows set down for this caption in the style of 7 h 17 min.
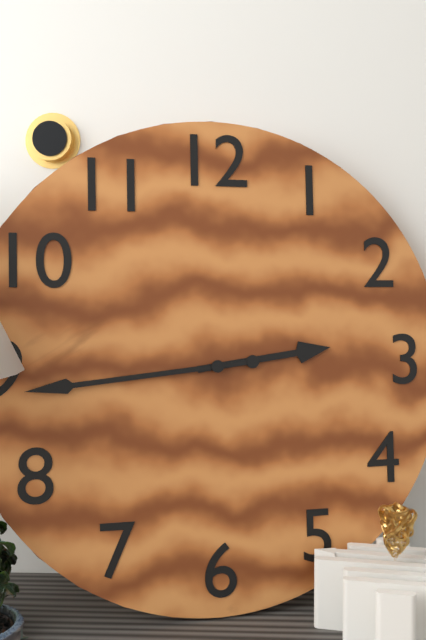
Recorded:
2 h 44 min
